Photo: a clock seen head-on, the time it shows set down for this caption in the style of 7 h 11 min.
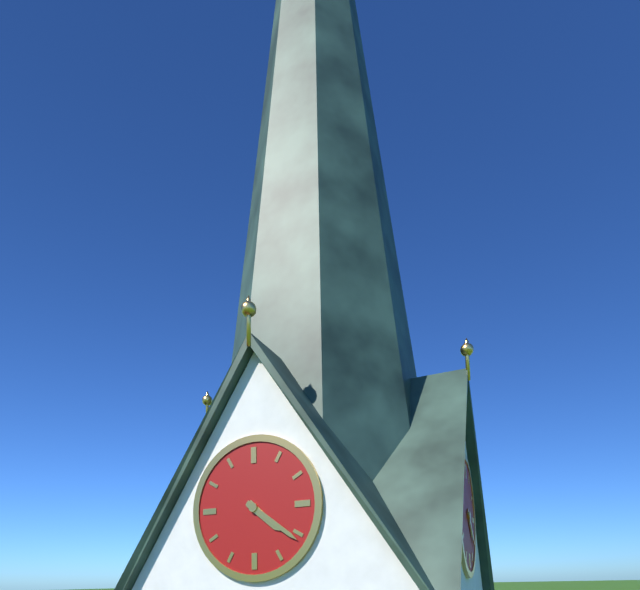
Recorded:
4 h 21 min
